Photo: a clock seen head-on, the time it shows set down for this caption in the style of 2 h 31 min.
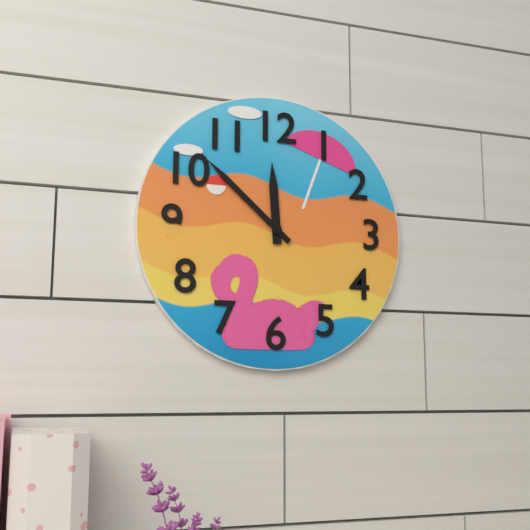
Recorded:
11 h 52 min
